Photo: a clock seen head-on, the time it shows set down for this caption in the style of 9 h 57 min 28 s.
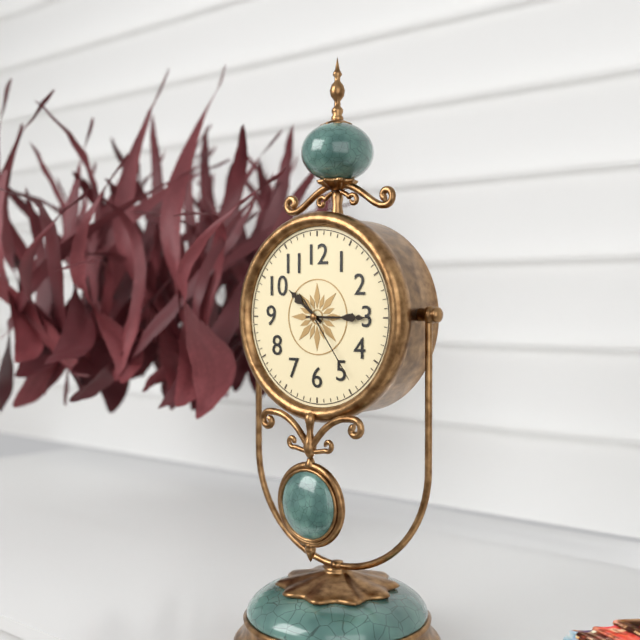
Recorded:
10 h 15 min 24 s
